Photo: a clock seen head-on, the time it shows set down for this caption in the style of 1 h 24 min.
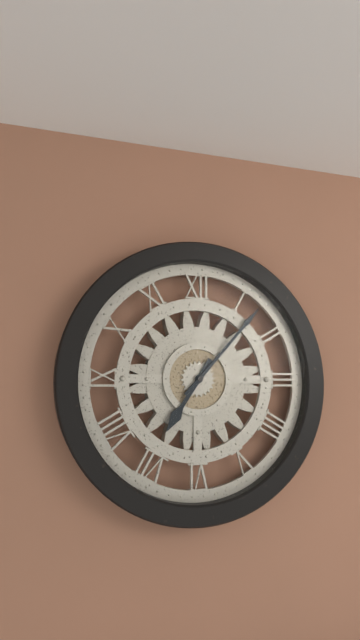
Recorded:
7 h 07 min
